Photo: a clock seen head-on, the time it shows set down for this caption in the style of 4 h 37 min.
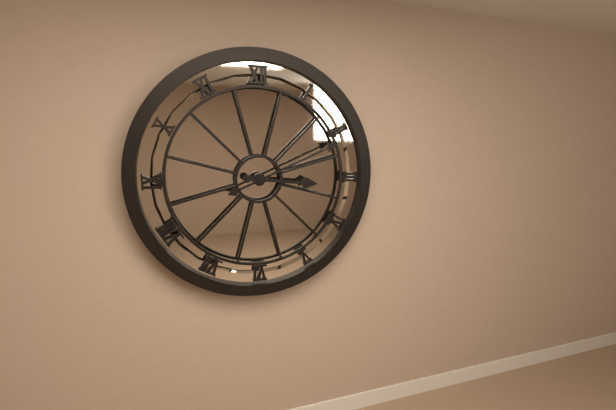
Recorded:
3 h 11 min
